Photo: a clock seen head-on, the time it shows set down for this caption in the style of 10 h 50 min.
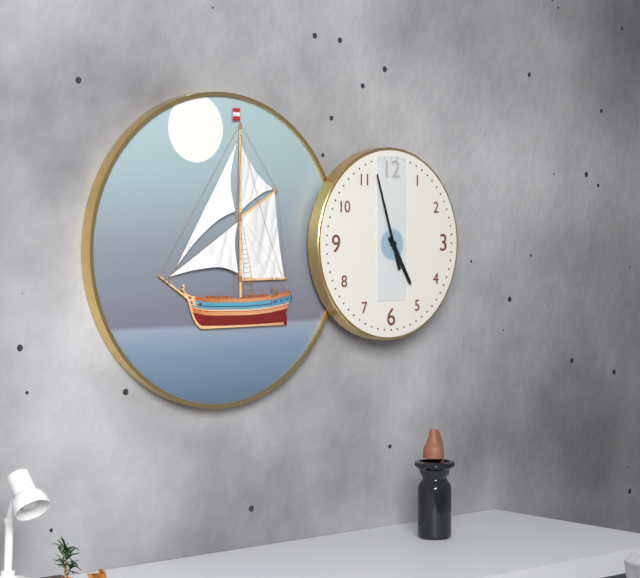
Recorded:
4 h 57 min
